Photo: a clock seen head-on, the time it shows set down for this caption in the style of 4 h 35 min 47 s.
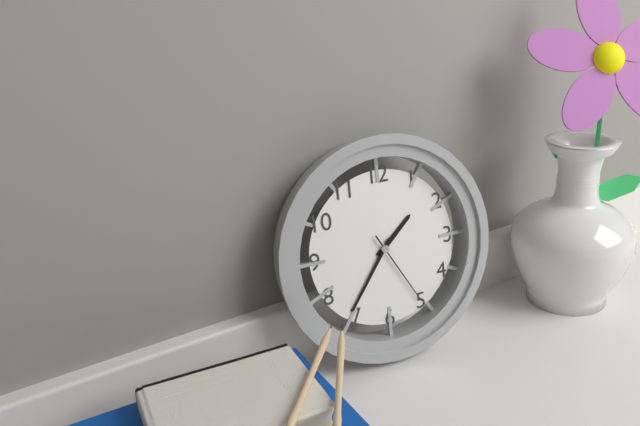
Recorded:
1 h 36 min 25 s
